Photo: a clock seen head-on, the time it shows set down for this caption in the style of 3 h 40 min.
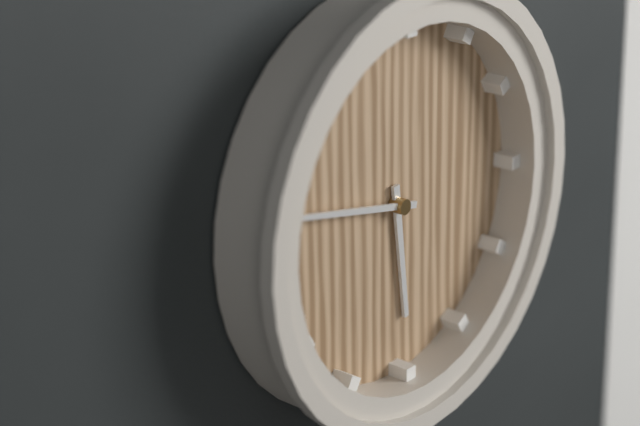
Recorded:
5 h 47 min
